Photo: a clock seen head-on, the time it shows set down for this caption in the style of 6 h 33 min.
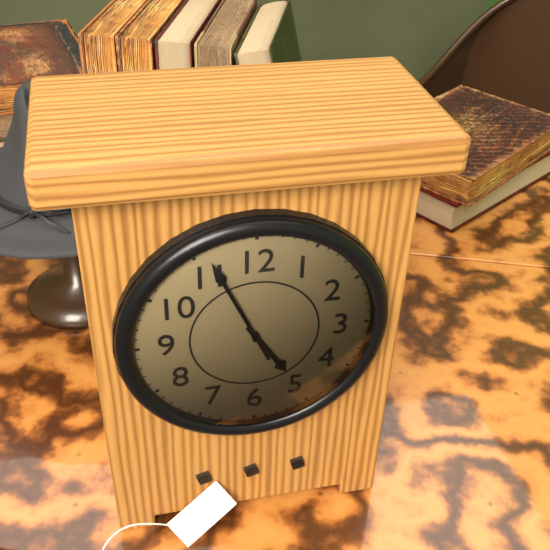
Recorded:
4 h 56 min
